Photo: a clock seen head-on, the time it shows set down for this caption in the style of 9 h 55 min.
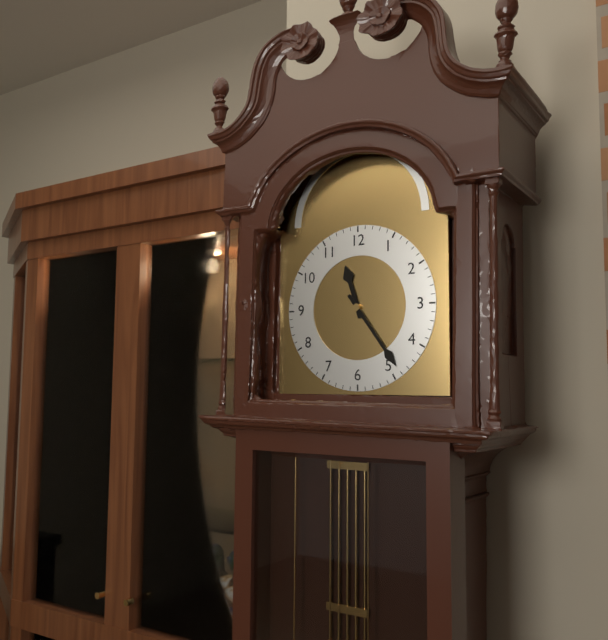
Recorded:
11 h 24 min
